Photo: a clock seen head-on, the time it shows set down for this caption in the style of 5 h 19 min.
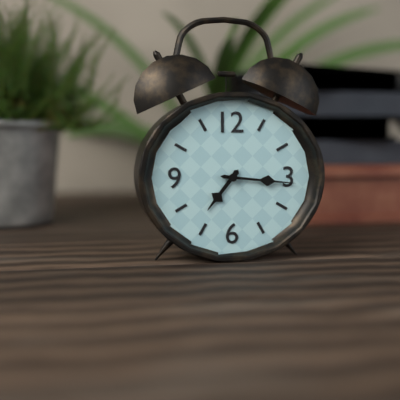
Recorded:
7 h 16 min
